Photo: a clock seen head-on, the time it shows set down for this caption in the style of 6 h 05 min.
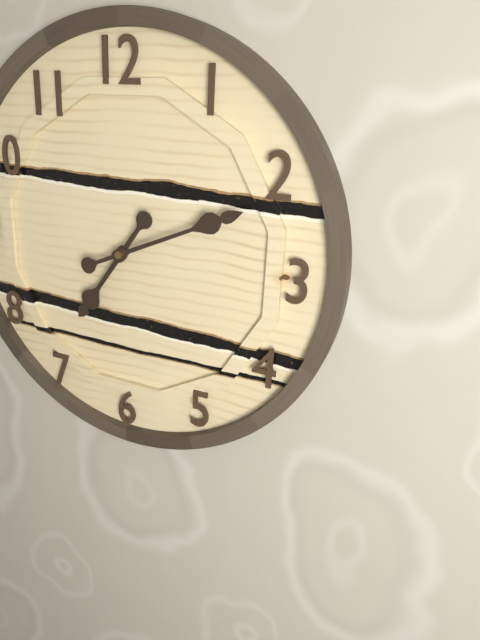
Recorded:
7 h 11 min
